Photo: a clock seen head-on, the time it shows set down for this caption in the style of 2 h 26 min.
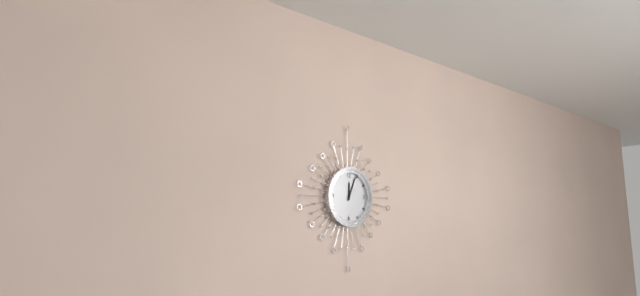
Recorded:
12 h 04 min
